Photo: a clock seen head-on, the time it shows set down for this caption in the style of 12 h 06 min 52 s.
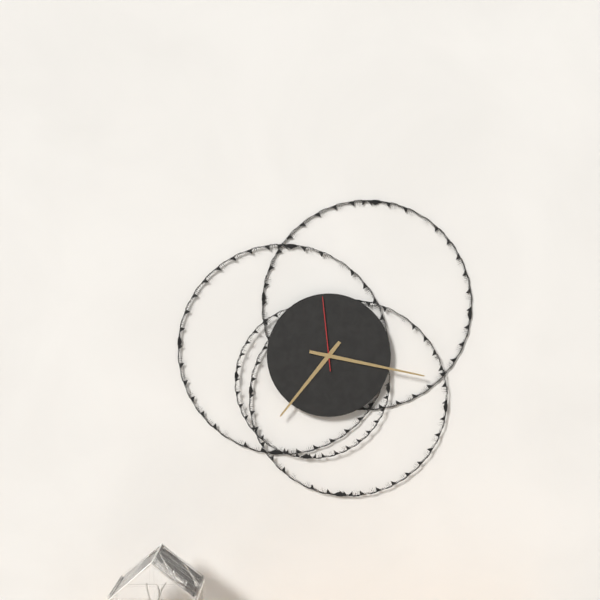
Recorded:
7 h 17 min 59 s
